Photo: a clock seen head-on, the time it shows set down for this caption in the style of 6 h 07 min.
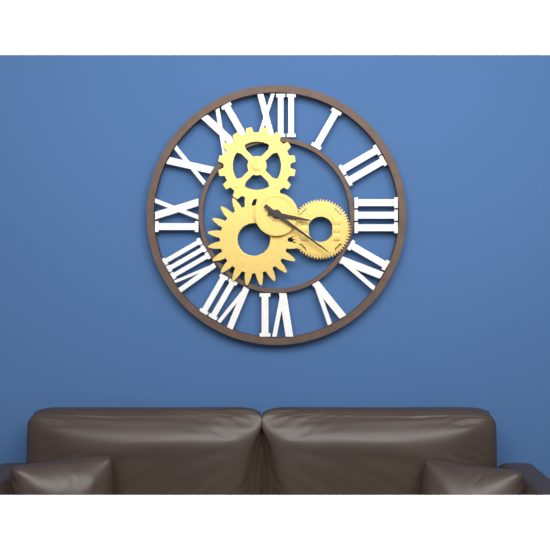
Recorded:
3 h 21 min
